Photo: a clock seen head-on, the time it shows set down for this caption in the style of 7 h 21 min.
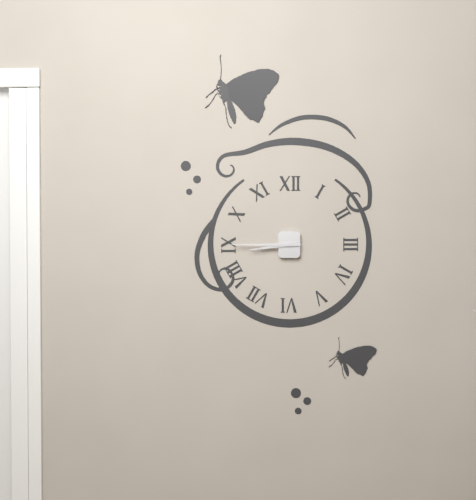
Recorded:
8 h 45 min
